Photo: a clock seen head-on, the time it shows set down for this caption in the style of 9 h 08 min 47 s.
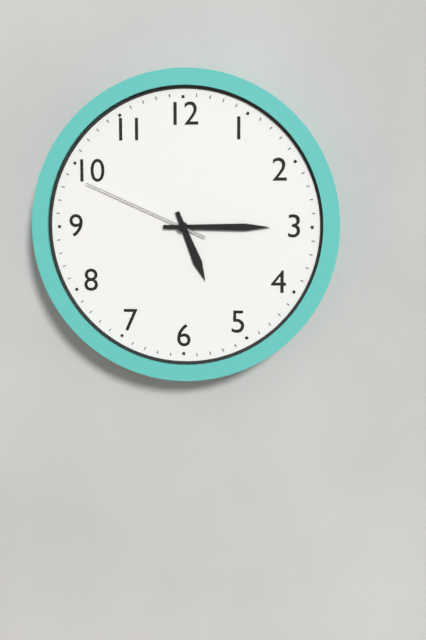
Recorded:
5 h 15 min 49 s
